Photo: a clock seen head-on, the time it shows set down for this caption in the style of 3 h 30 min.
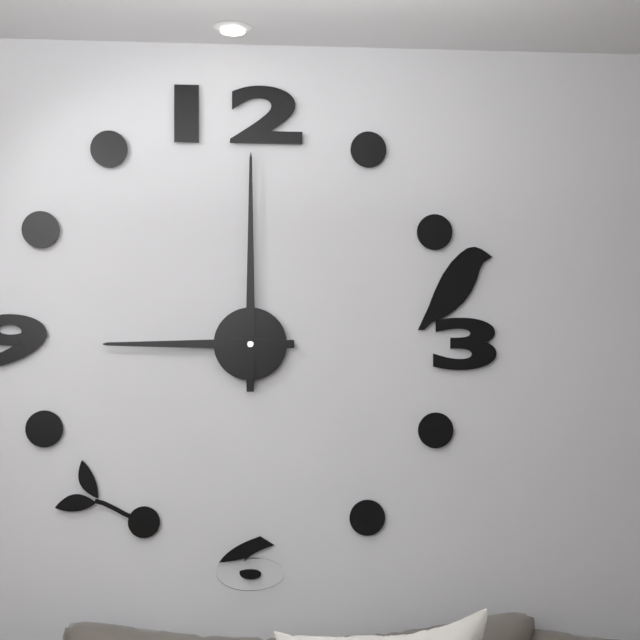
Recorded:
9 h 00 min
